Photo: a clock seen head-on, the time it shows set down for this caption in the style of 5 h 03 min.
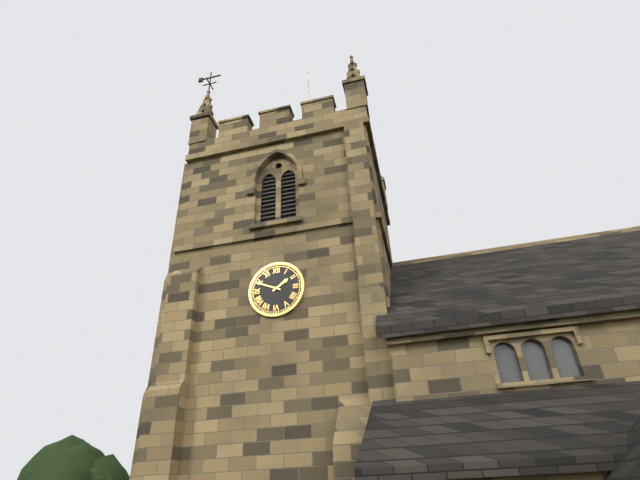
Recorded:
1 h 49 min
